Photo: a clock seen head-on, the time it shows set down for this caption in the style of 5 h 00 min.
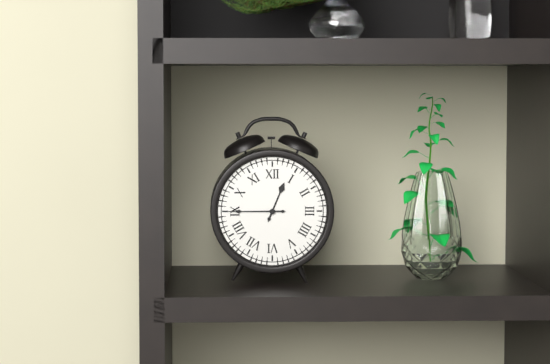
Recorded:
12 h 45 min
